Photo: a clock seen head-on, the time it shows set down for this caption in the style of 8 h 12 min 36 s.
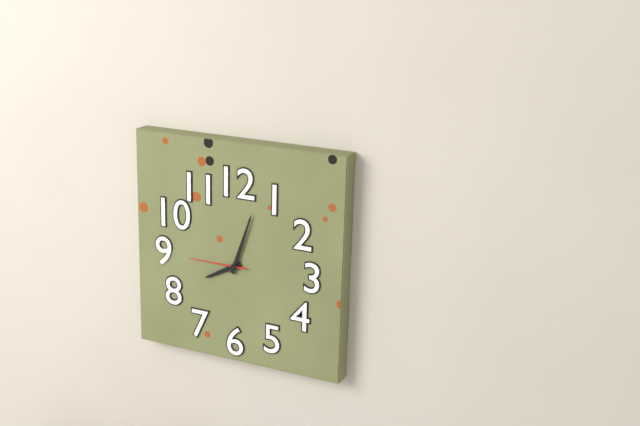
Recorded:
8 h 03 min 45 s
